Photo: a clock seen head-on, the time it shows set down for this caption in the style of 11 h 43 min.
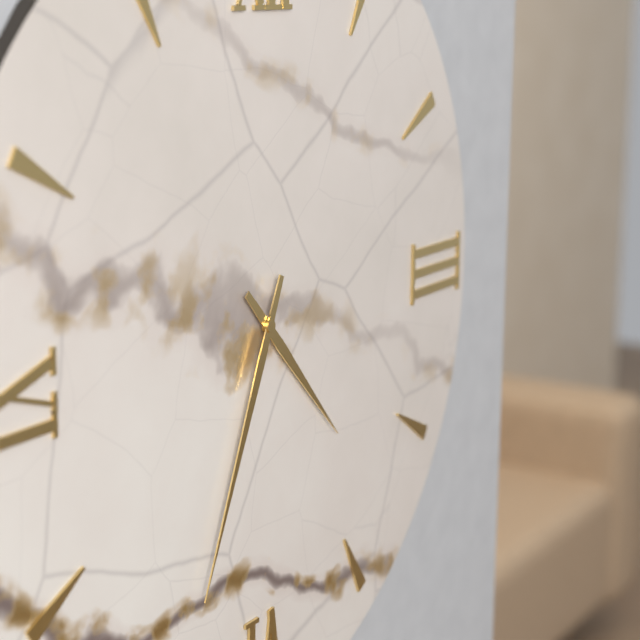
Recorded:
4 h 34 min
